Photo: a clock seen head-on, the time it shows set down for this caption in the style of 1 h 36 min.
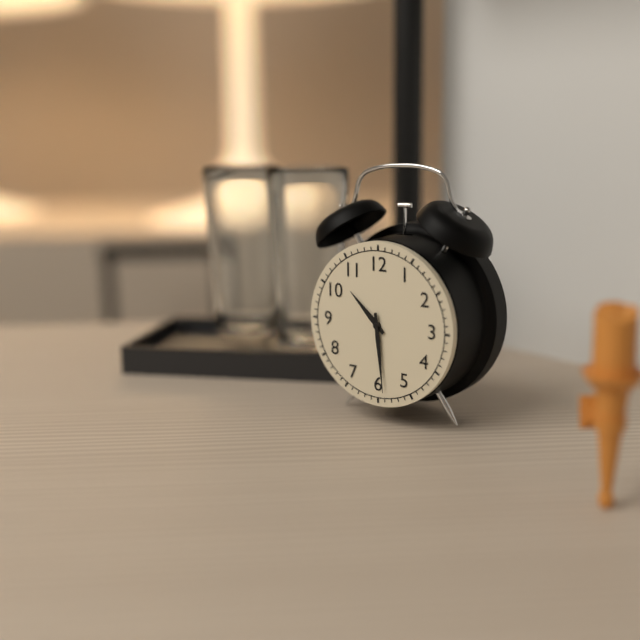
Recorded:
10 h 29 min
